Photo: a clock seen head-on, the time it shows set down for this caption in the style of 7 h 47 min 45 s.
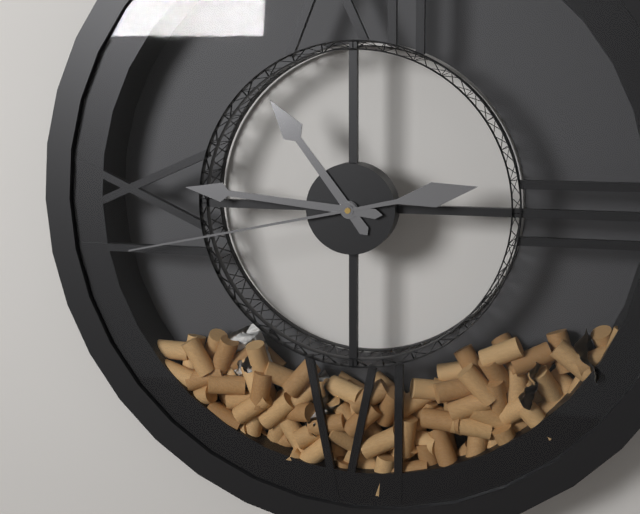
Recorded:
10 h 46 min 43 s
